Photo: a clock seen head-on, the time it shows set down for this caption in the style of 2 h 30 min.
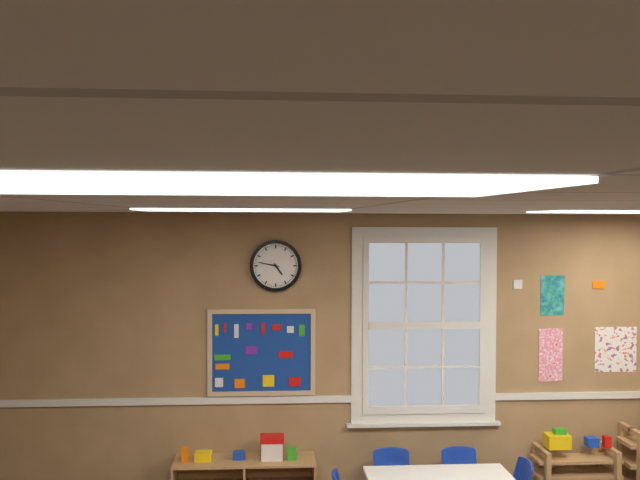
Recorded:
4 h 47 min
